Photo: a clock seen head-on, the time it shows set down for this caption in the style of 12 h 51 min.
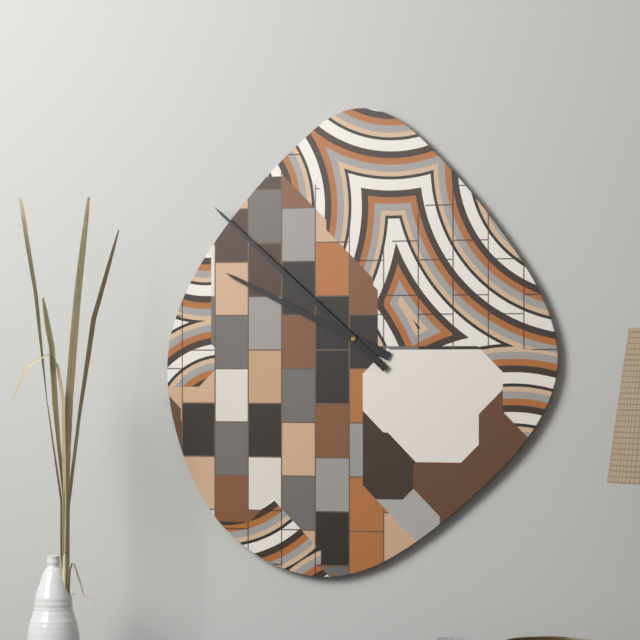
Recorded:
9 h 52 min
